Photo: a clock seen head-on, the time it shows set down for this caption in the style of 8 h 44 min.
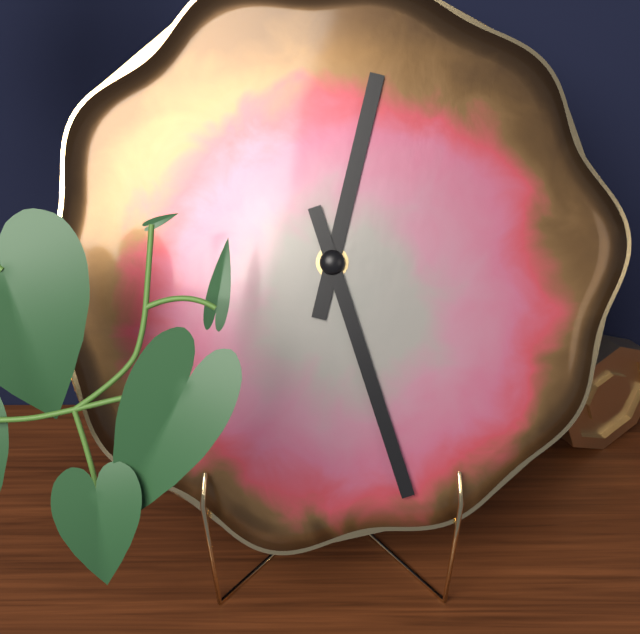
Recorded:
12 h 27 min
